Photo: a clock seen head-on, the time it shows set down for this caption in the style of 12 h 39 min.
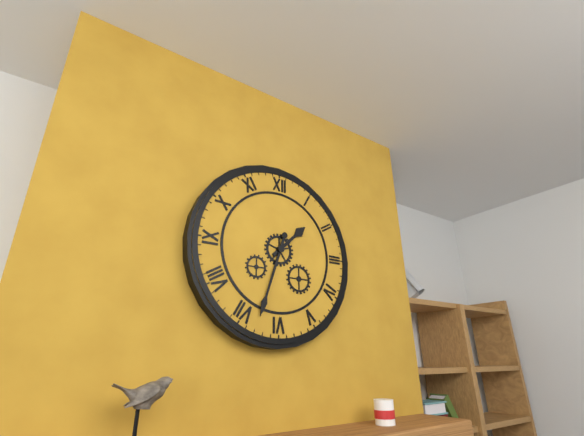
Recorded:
1 h 33 min
